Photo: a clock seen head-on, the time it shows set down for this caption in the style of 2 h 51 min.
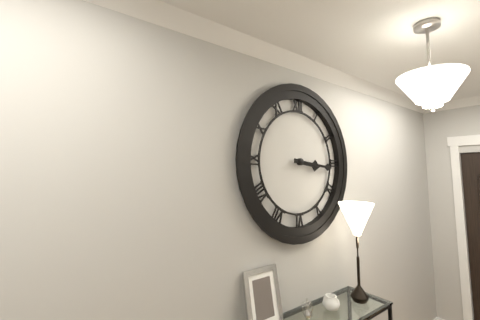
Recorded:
3 h 16 min
